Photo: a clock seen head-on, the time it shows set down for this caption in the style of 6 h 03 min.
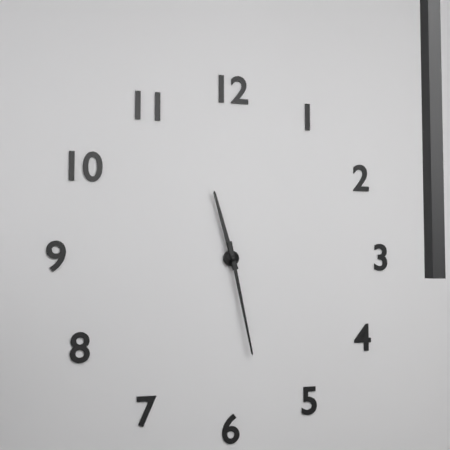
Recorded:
11 h 28 min
